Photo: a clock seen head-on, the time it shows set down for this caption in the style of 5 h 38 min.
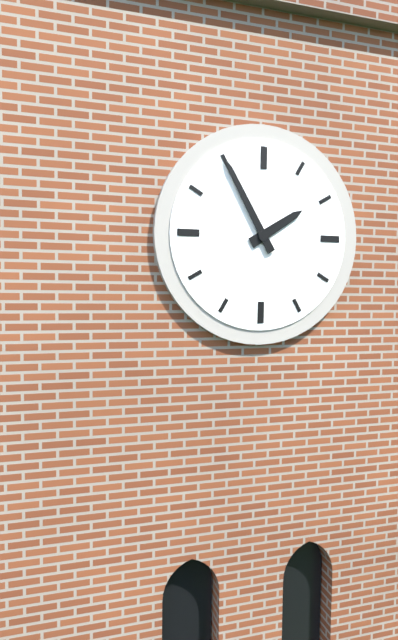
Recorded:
1 h 55 min
